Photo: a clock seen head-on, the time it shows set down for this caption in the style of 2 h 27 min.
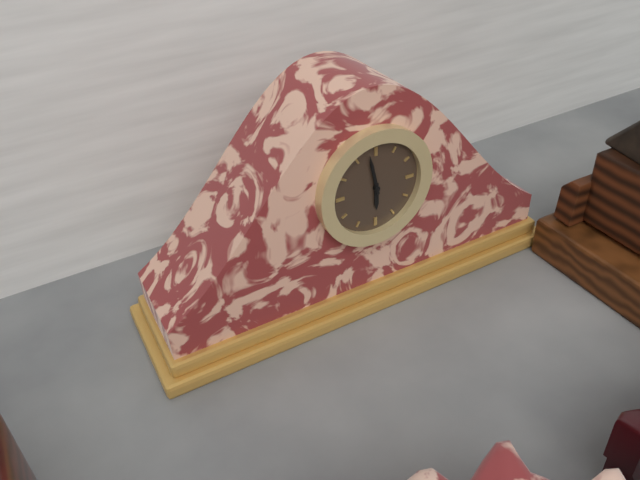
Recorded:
5 h 58 min
